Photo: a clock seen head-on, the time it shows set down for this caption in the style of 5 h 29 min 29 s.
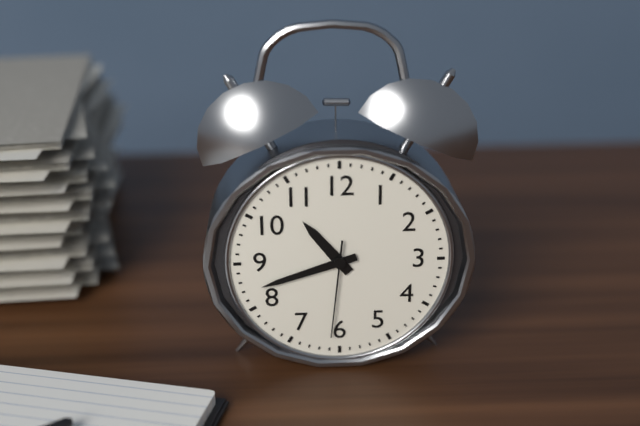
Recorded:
10 h 42 min 31 s
